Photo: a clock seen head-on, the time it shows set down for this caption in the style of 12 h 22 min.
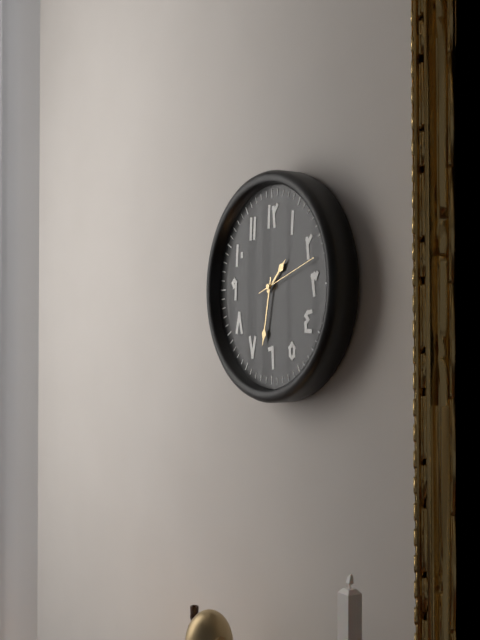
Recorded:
1 h 32 min
